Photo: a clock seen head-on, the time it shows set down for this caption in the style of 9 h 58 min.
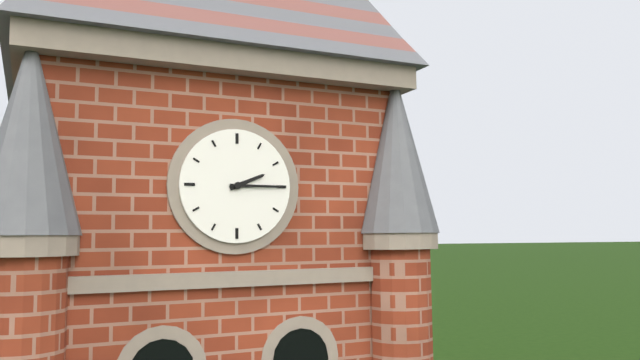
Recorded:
2 h 15 min
